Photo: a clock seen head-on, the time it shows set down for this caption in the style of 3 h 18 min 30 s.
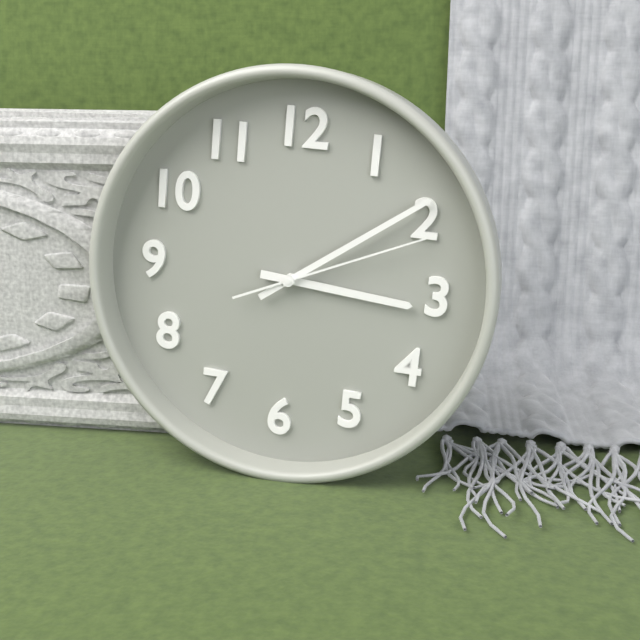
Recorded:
3 h 09 min 11 s
